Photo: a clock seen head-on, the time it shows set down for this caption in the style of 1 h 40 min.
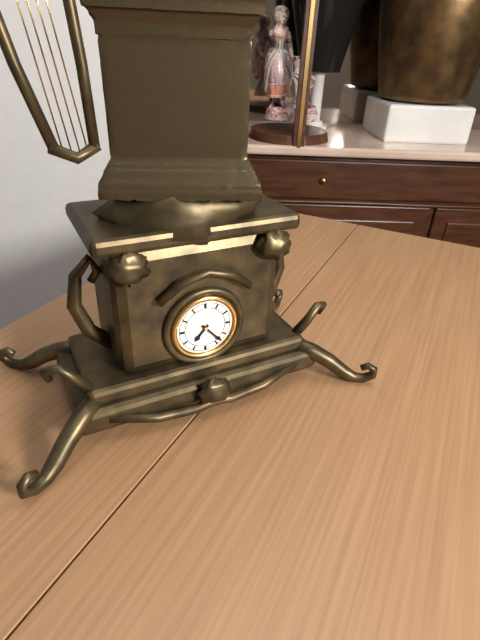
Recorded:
7 h 23 min
